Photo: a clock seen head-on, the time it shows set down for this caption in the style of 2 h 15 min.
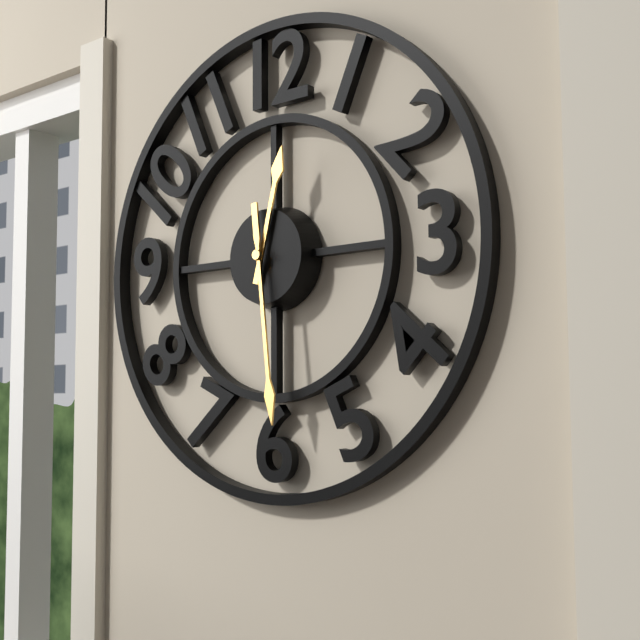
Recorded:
12 h 29 min
